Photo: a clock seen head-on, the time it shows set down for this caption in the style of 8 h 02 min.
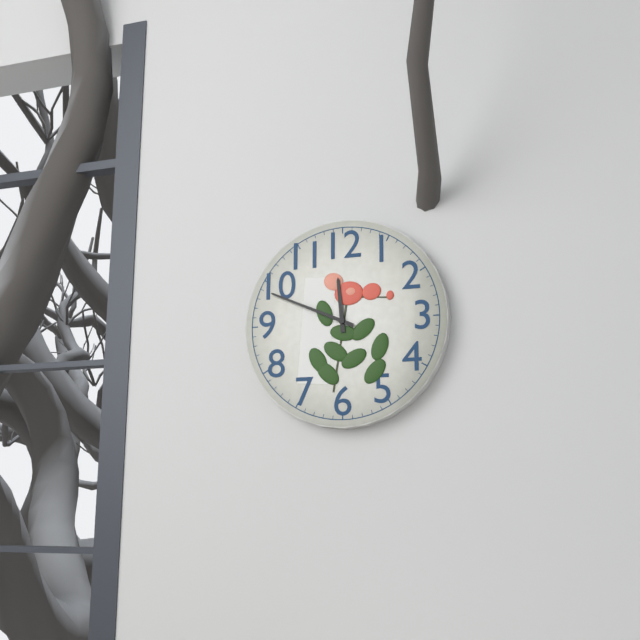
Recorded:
11 h 49 min
